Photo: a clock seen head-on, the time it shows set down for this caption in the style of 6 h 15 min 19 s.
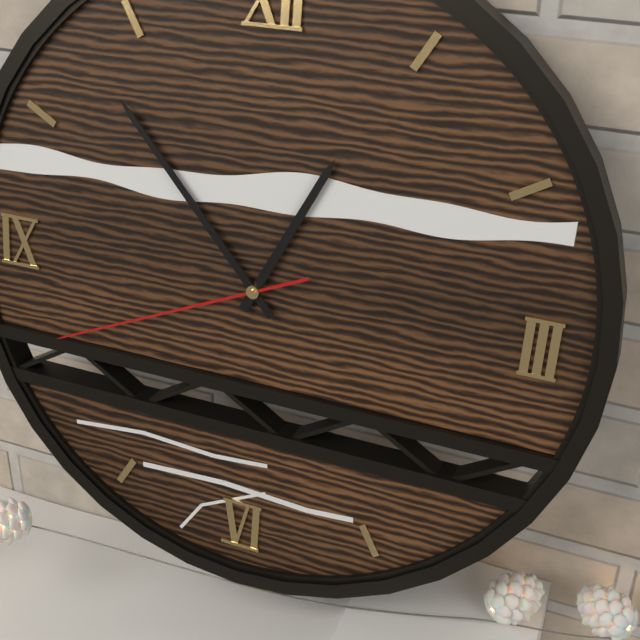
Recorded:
12 h 53 min 41 s
